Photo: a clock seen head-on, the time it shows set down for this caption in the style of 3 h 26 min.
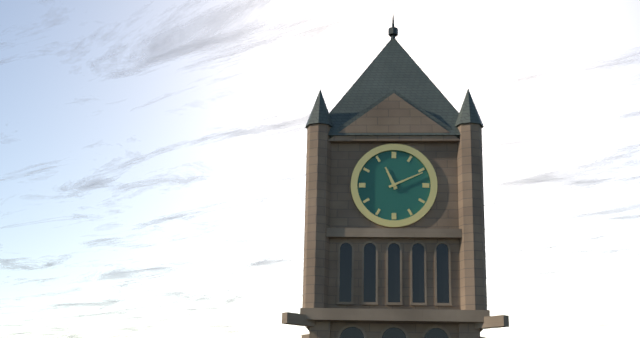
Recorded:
11 h 11 min
